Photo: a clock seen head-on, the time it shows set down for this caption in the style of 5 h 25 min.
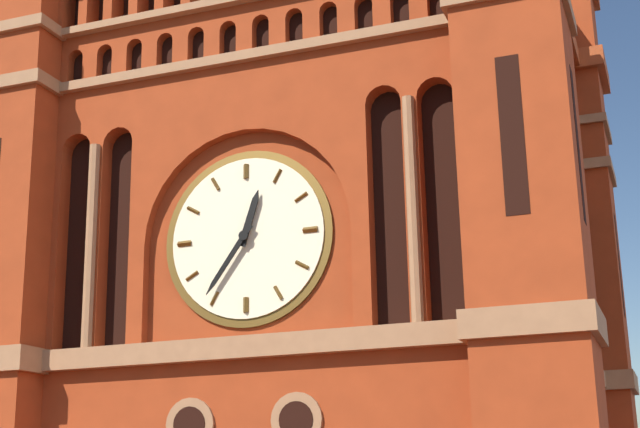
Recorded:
12 h 36 min
